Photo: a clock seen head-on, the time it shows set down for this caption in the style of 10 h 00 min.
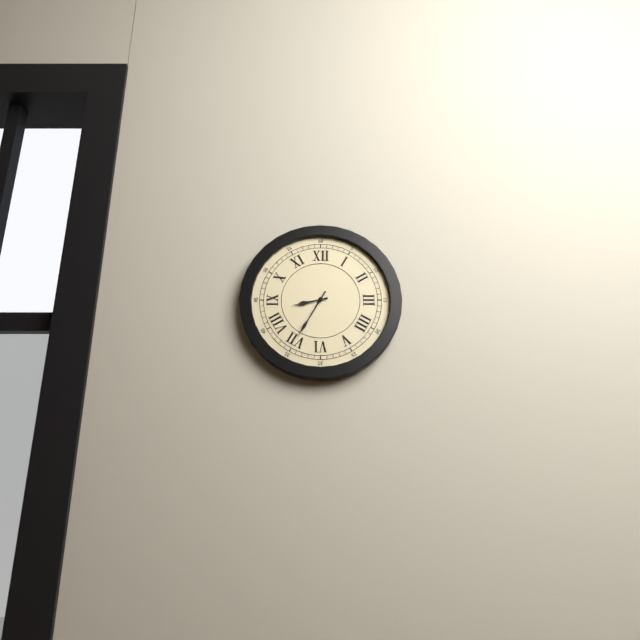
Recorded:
8 h 35 min
